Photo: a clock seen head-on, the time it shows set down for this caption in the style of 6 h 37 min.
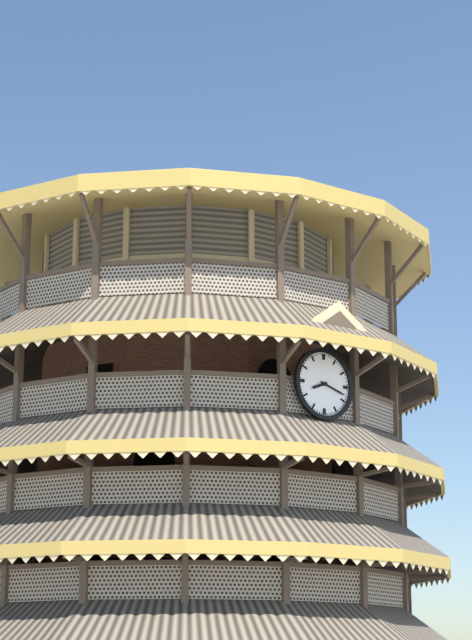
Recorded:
8 h 18 min
